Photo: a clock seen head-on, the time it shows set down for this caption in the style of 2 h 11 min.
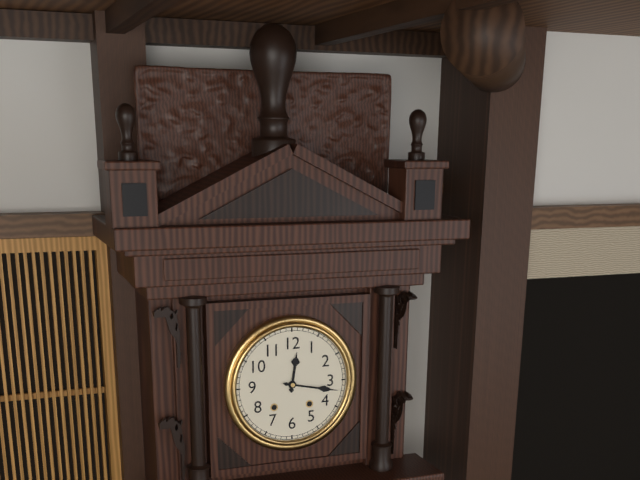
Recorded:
12 h 17 min
